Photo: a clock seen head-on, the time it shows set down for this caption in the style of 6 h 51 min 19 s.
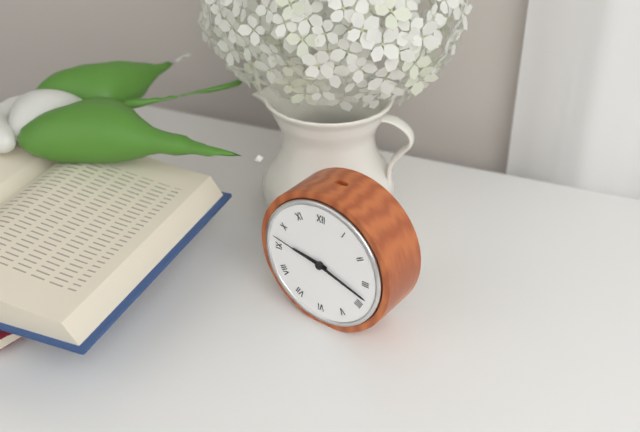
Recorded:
9 h 18 min 47 s
